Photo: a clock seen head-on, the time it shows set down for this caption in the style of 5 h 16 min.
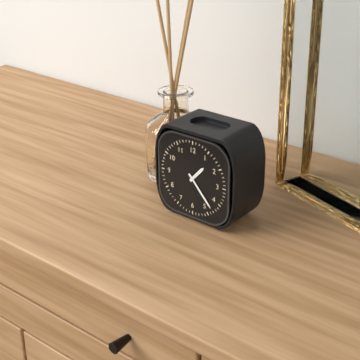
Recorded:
1 h 23 min
